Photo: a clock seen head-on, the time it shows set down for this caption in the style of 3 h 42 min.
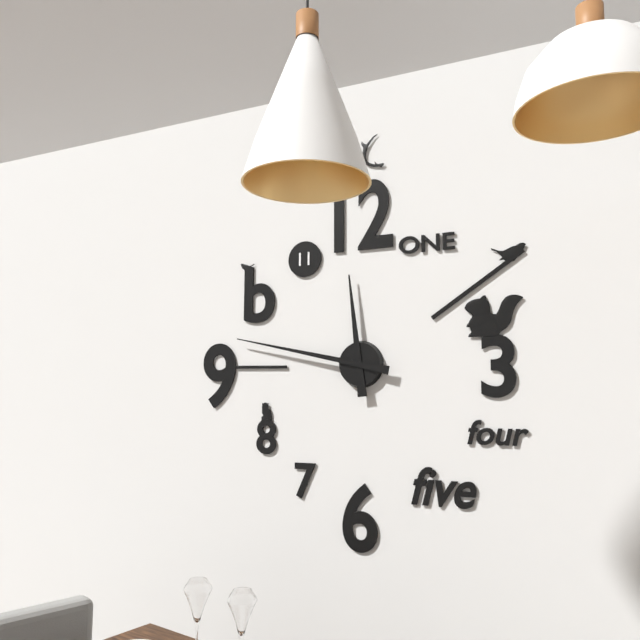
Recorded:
11 h 47 min
